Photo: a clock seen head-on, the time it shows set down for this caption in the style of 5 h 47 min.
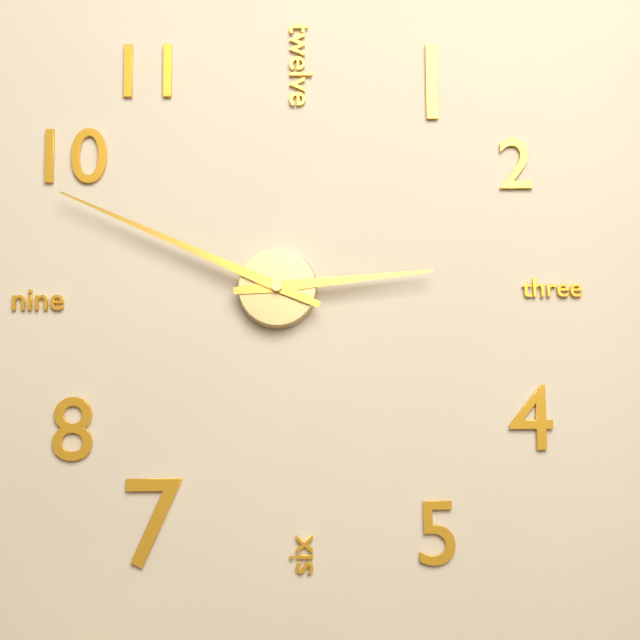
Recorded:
2 h 49 min
